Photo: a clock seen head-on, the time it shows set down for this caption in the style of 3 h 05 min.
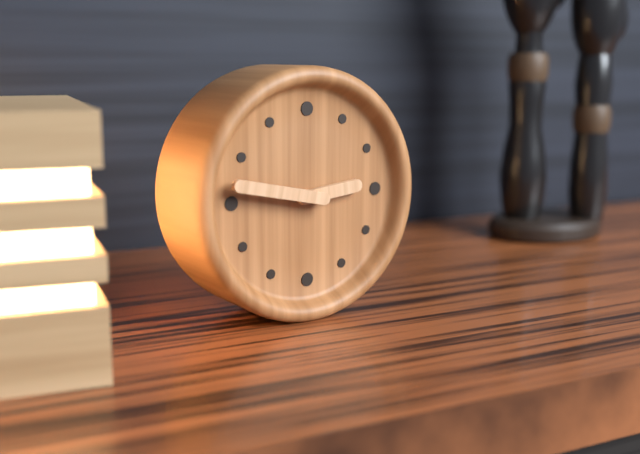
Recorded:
2 h 47 min
